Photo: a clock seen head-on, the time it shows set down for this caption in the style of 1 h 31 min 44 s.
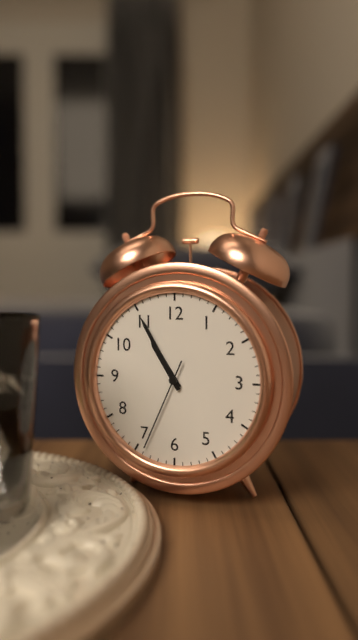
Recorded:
10 h 55 min 34 s
